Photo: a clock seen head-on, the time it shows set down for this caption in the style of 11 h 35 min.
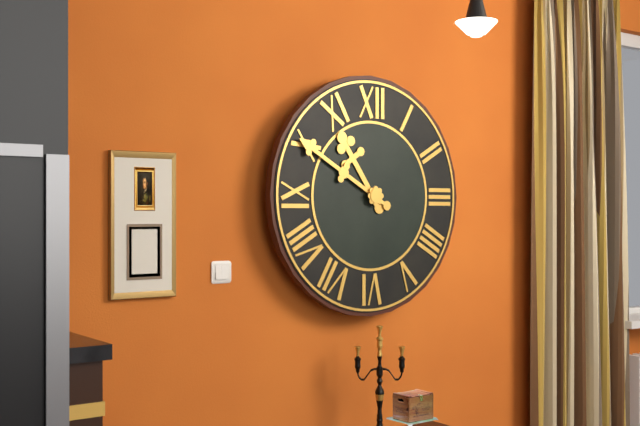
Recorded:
10 h 50 min
